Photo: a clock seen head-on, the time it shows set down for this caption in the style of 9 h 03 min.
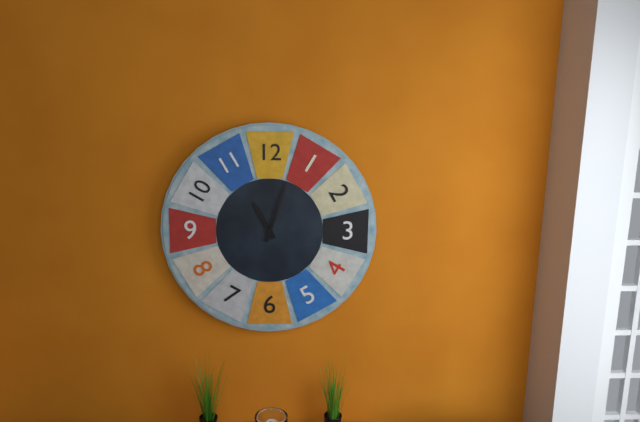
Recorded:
11 h 03 min
